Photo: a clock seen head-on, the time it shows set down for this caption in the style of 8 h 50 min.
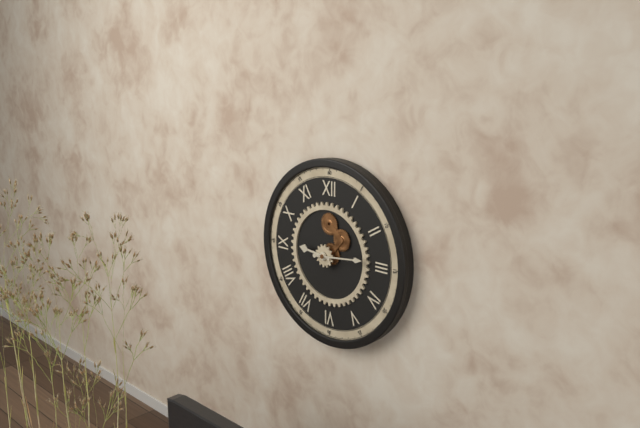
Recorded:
9 h 14 min
